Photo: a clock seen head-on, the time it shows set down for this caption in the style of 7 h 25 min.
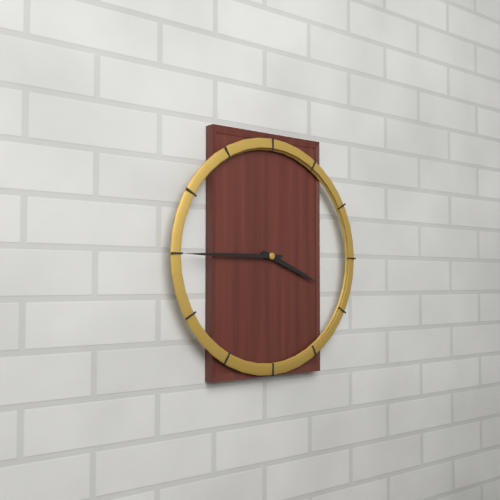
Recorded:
3 h 45 min
